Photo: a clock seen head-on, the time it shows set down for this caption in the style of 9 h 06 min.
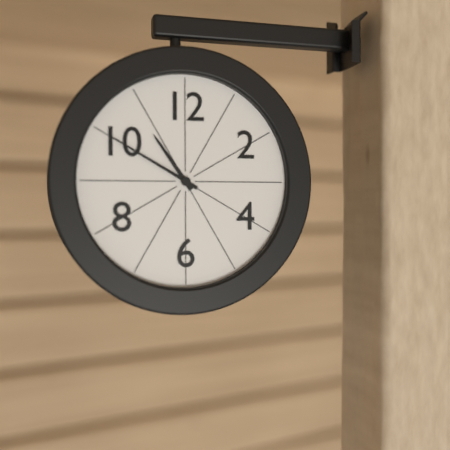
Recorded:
10 h 50 min
